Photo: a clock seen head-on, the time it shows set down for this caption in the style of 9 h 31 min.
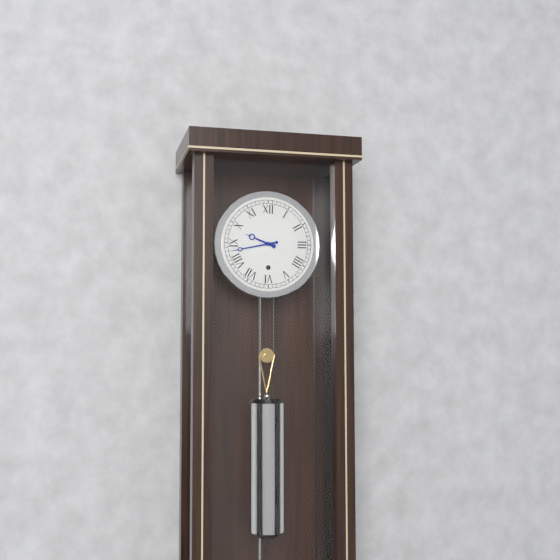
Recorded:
9 h 43 min
